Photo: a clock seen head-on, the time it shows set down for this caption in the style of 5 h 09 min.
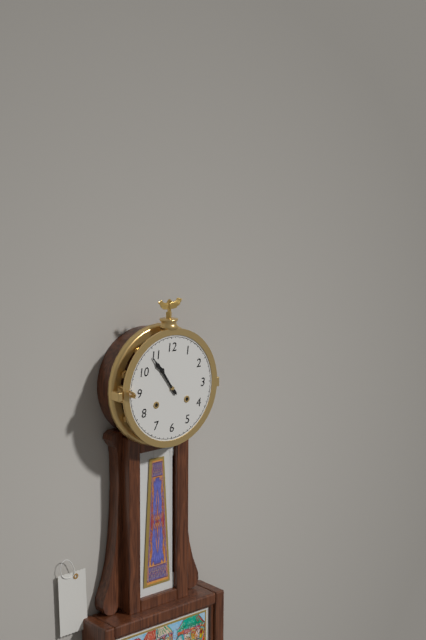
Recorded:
10 h 54 min
